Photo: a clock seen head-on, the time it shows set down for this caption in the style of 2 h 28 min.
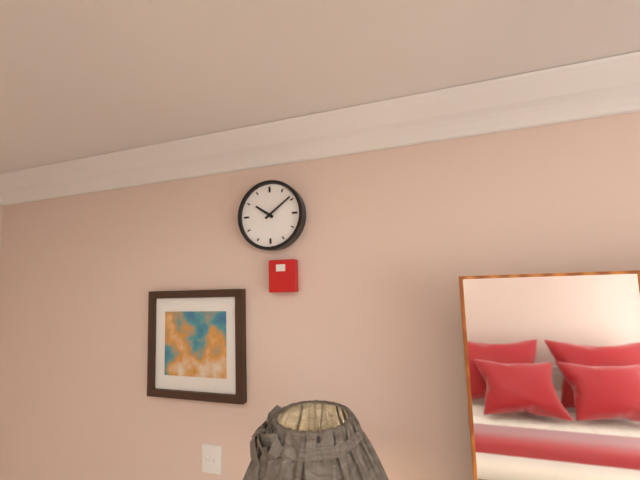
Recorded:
10 h 09 min
